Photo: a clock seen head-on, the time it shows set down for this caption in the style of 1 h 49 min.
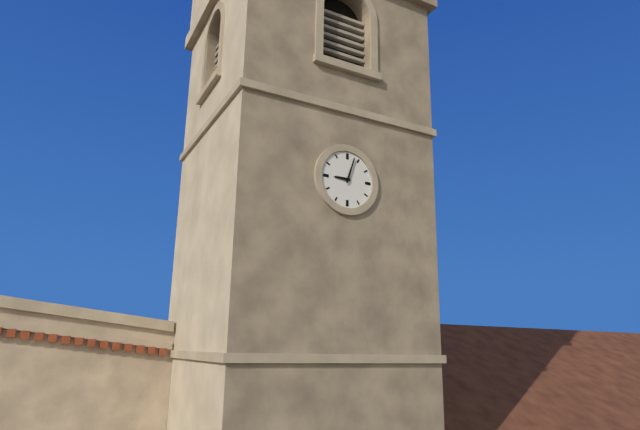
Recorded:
9 h 03 min
